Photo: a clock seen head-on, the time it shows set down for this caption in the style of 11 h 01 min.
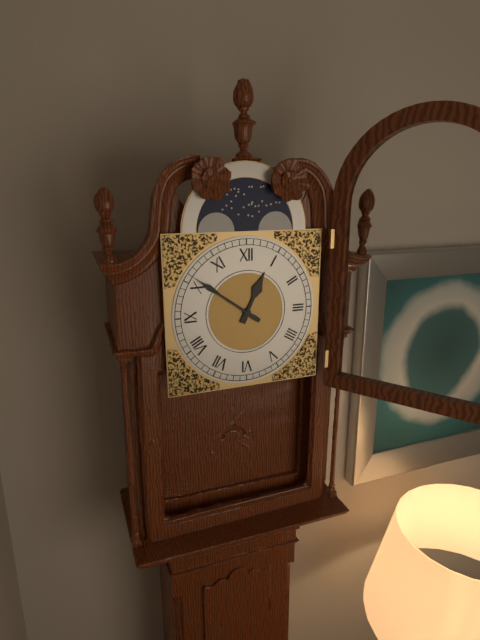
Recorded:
12 h 51 min
